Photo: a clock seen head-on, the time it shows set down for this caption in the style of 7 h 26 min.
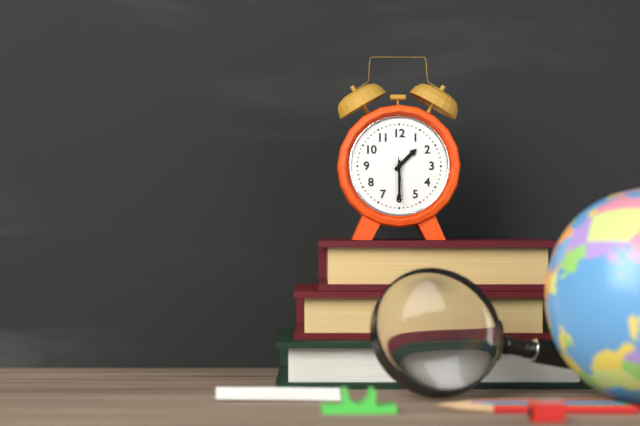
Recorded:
1 h 30 min
